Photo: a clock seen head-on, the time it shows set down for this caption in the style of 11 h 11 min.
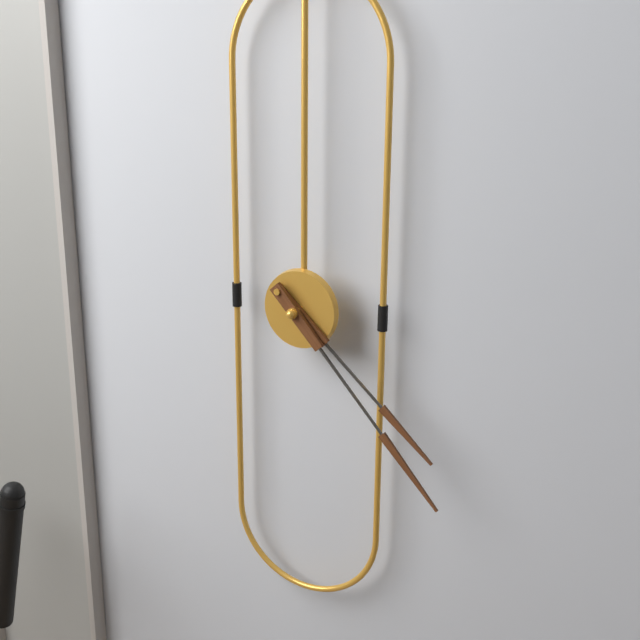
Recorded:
4 h 23 min
